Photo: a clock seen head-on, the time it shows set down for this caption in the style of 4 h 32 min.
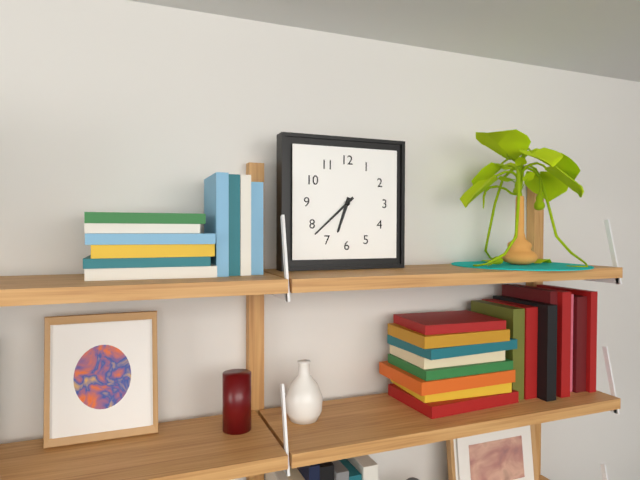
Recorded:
6 h 38 min
